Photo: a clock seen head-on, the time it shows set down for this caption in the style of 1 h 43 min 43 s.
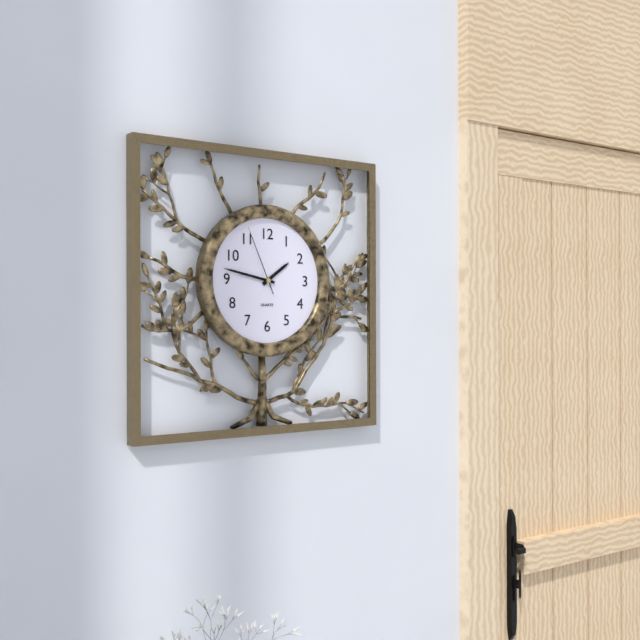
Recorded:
1 h 47 min 56 s
